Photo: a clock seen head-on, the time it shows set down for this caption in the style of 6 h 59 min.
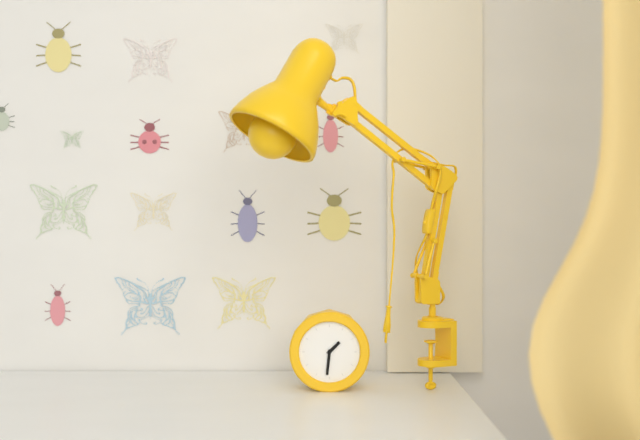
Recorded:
1 h 31 min
